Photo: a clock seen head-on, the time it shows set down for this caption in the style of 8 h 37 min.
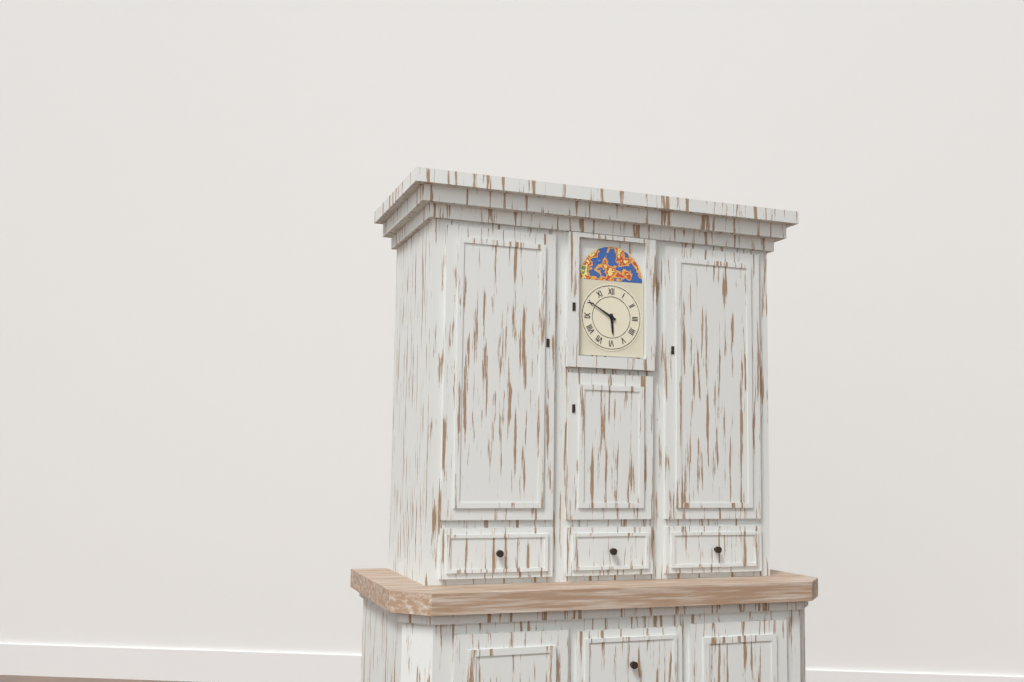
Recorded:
5 h 50 min
